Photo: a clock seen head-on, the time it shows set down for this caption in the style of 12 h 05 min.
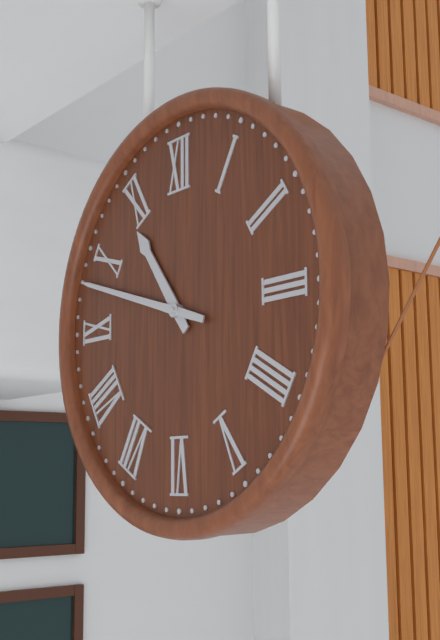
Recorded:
10 h 48 min
